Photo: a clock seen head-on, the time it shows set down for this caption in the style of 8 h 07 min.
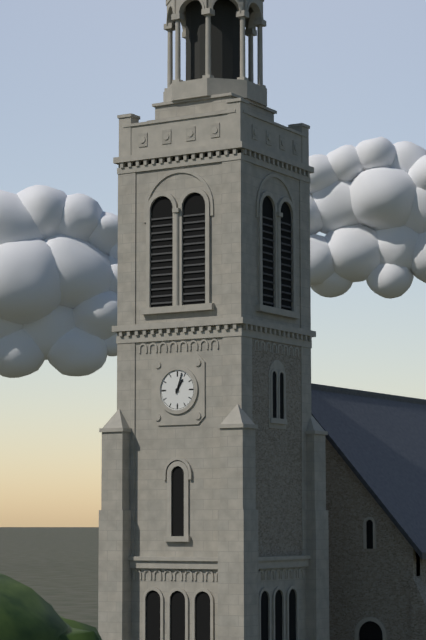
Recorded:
1 h 03 min
